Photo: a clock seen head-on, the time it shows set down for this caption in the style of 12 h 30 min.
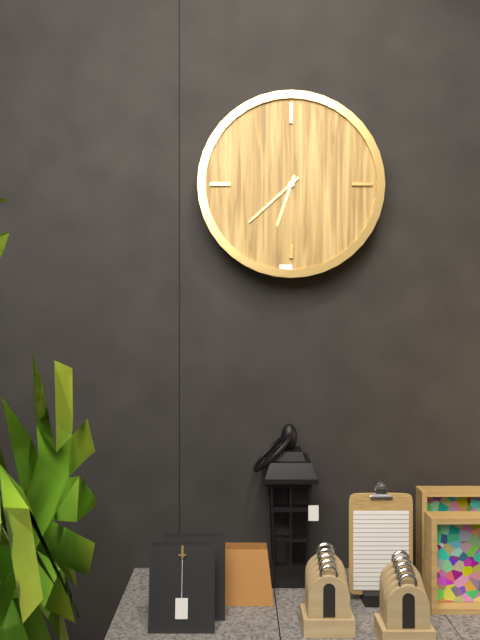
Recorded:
6 h 38 min
